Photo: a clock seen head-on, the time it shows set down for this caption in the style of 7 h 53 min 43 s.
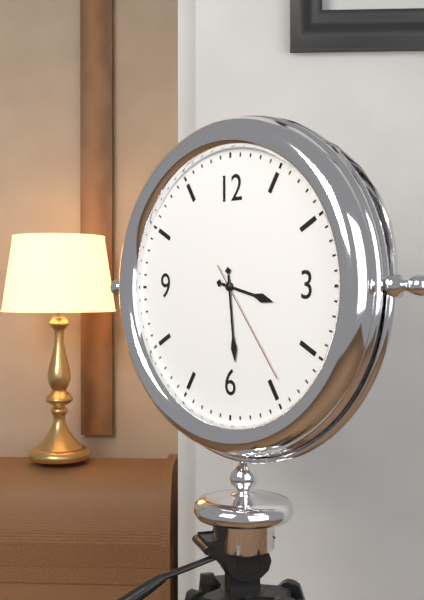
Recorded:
3 h 29 min 24 s
